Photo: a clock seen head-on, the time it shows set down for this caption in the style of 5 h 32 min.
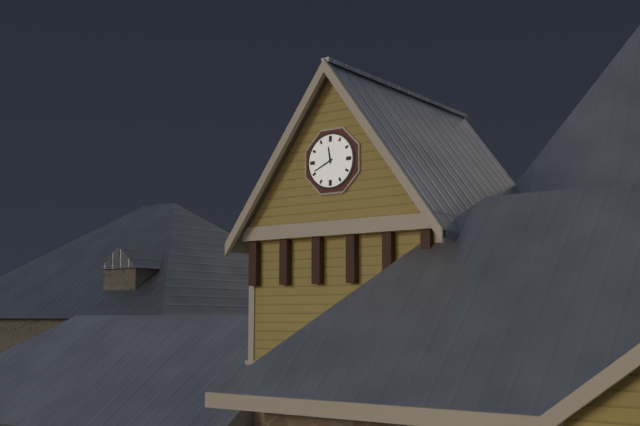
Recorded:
11 h 41 min
